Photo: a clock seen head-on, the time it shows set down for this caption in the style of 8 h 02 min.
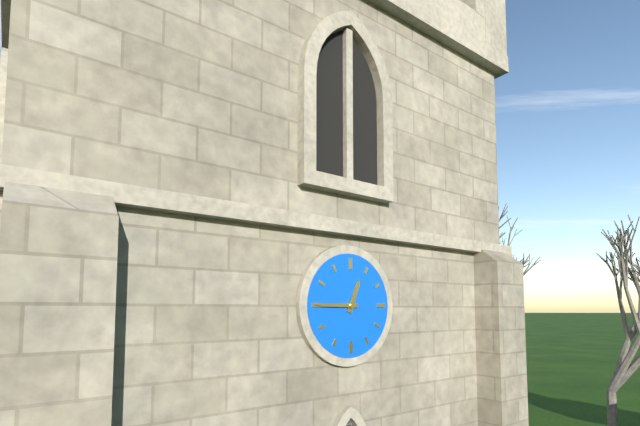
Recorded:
12 h 45 min
